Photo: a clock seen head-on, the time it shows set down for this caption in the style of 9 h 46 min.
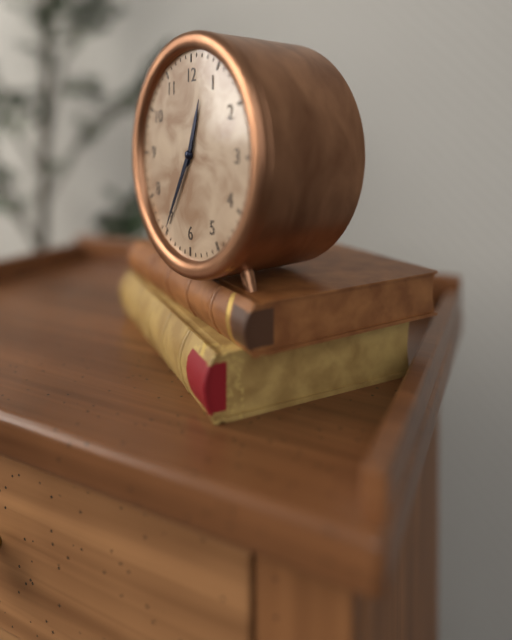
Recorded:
12 h 35 min
